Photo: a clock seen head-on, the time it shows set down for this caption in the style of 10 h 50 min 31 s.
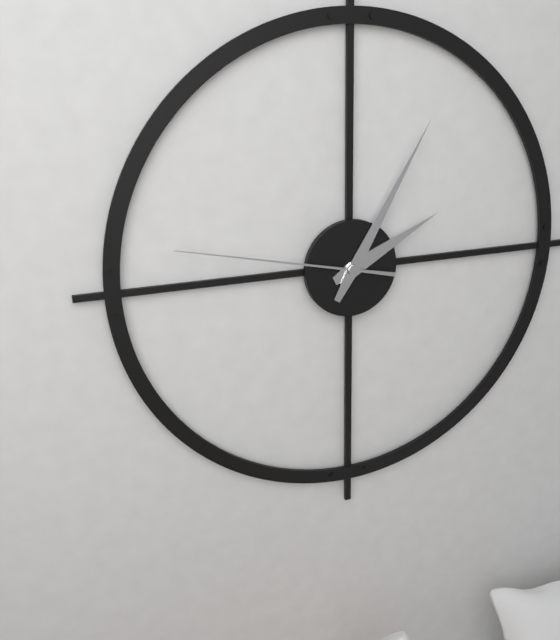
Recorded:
2 h 05 min 47 s
